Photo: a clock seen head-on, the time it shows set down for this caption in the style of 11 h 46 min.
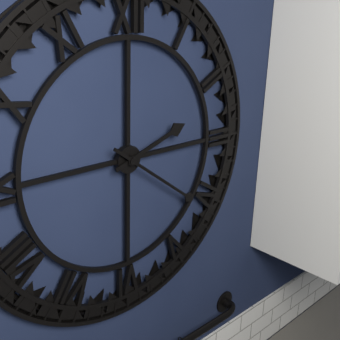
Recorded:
2 h 21 min
